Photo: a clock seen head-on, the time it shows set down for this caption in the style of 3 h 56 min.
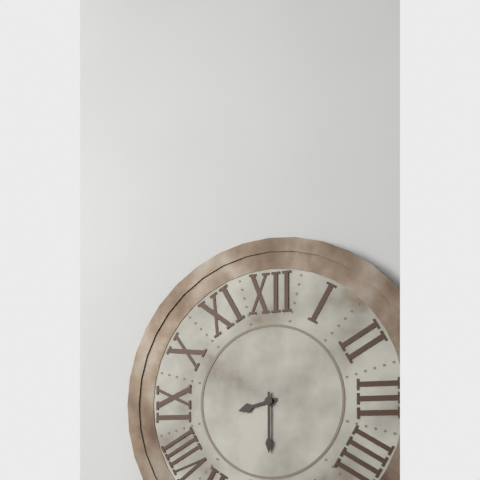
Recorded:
8 h 30 min
